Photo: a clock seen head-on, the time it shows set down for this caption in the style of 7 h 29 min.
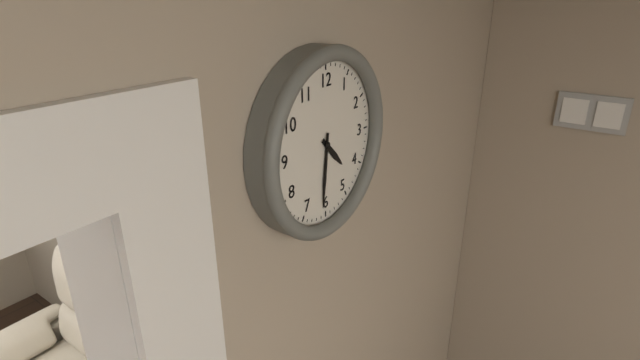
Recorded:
4 h 31 min
